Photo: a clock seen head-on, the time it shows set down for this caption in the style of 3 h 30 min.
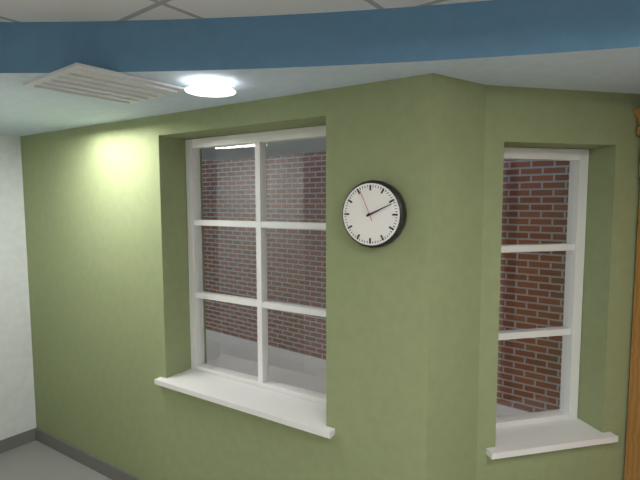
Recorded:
2 h 11 min
